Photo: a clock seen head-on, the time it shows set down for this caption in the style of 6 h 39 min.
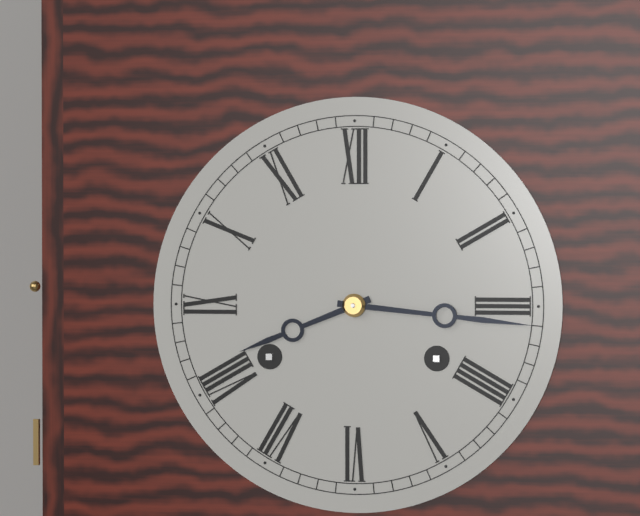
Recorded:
8 h 16 min
